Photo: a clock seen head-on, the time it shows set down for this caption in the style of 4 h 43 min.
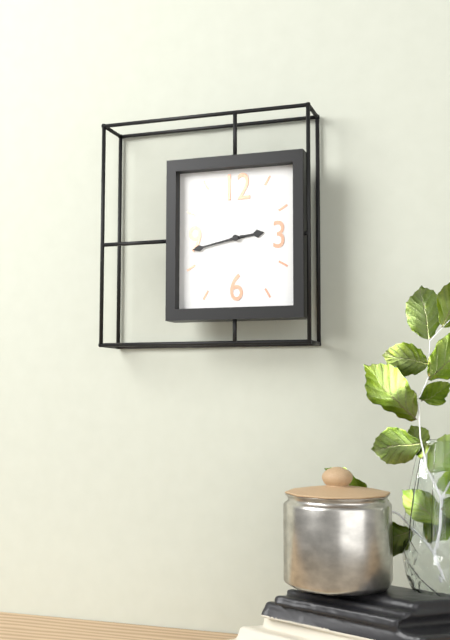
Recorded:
2 h 43 min
